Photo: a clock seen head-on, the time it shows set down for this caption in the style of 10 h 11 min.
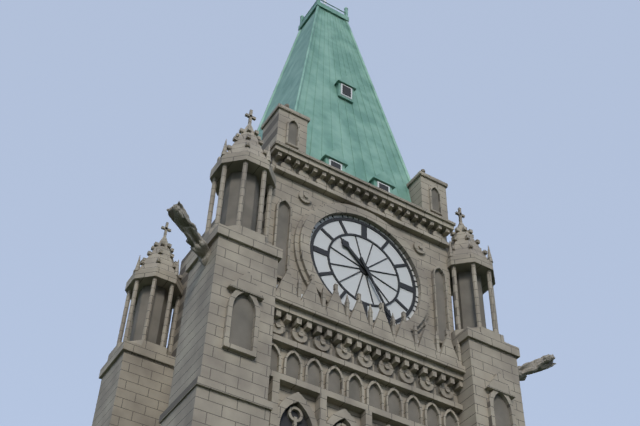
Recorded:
10 h 25 min
